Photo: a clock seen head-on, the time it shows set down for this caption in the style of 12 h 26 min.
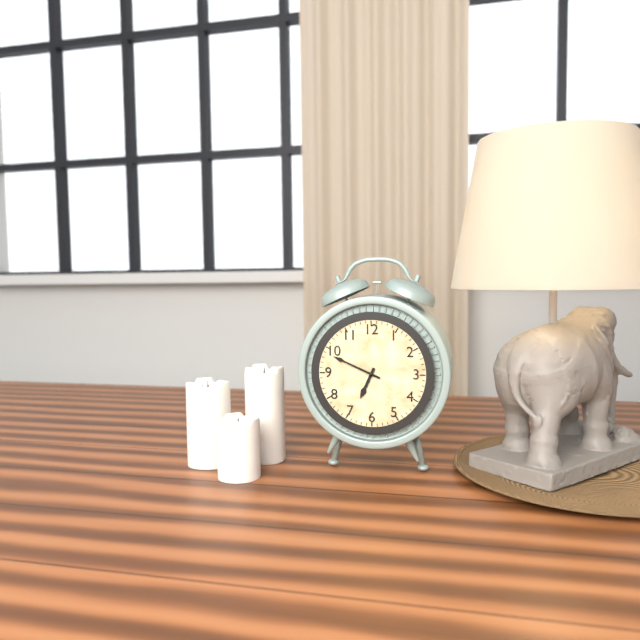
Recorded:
6 h 49 min
